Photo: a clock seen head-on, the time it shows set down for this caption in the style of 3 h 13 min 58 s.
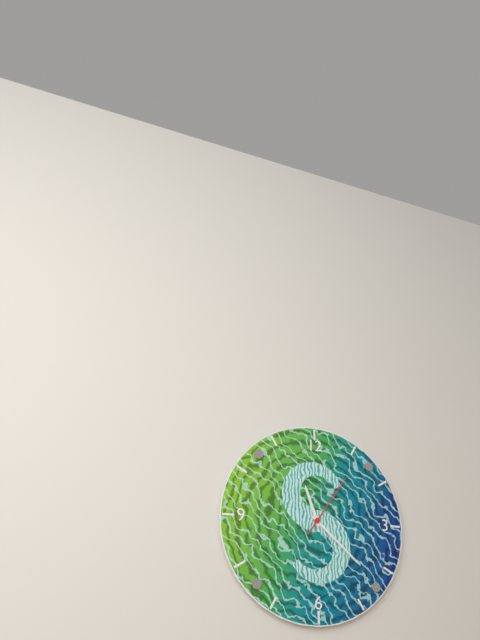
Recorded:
11 h 22 min 06 s
